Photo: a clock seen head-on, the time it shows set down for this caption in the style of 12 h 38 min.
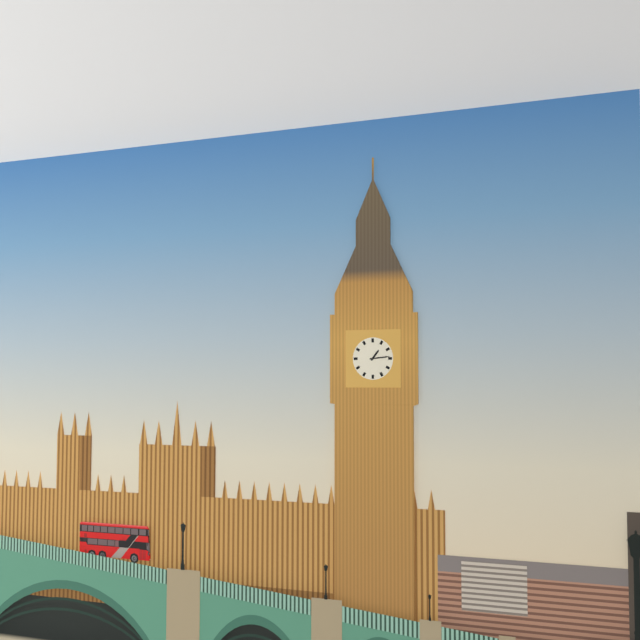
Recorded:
1 h 14 min
